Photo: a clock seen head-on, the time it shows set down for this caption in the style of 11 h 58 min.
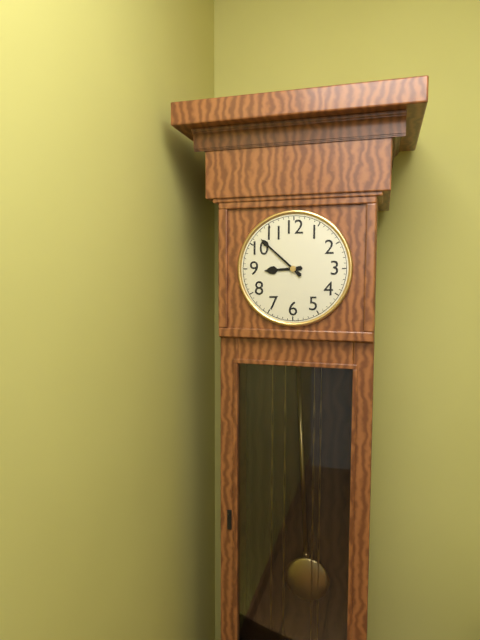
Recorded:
8 h 52 min
